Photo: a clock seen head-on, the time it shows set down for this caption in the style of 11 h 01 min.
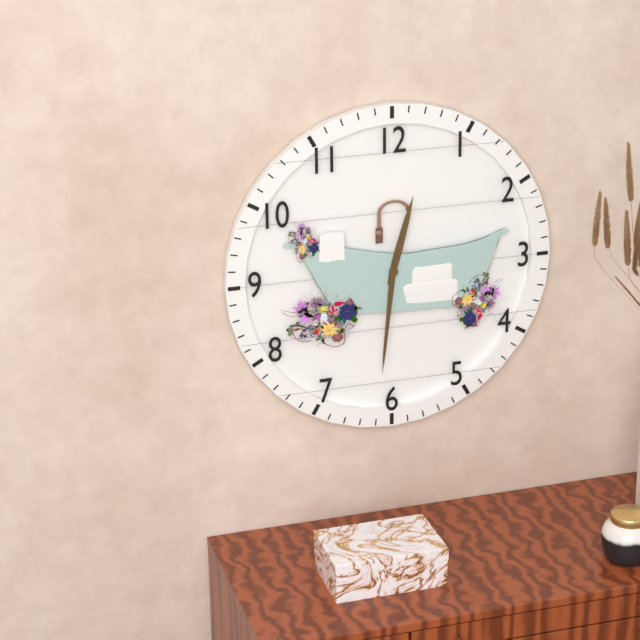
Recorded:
12 h 31 min
